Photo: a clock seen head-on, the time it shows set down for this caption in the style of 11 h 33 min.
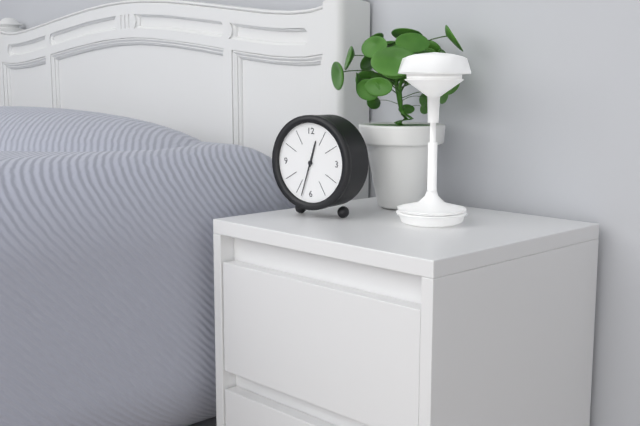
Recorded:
12 h 33 min
